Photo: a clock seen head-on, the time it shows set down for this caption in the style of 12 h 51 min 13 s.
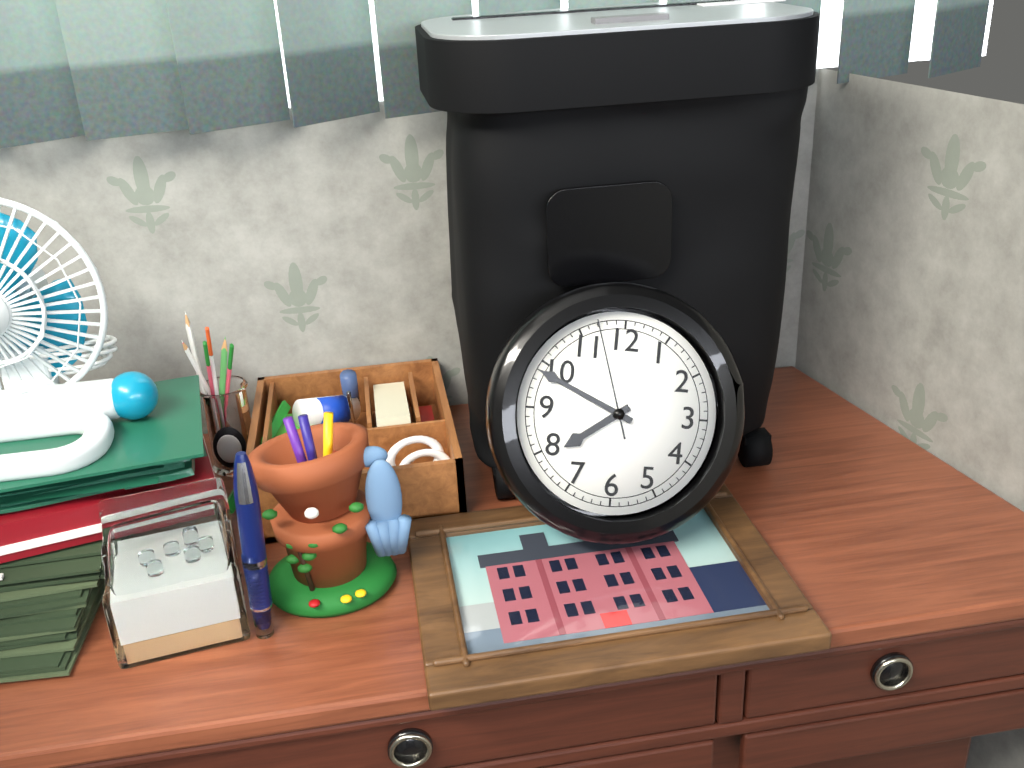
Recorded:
7 h 49 min 57 s
